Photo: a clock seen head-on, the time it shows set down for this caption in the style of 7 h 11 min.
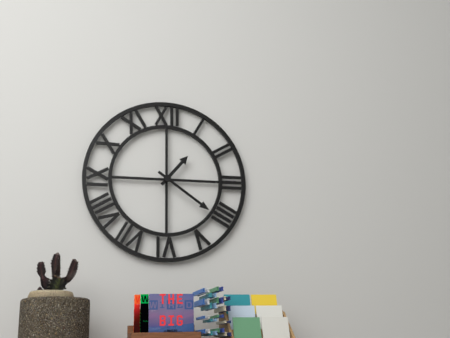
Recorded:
1 h 21 min
